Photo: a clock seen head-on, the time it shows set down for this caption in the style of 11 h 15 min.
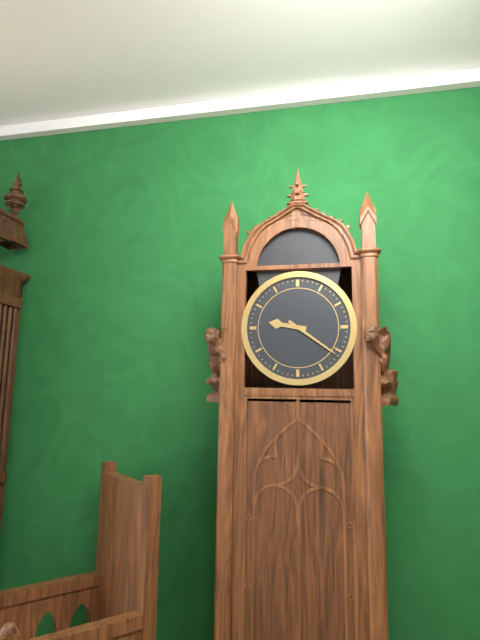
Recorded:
9 h 21 min
